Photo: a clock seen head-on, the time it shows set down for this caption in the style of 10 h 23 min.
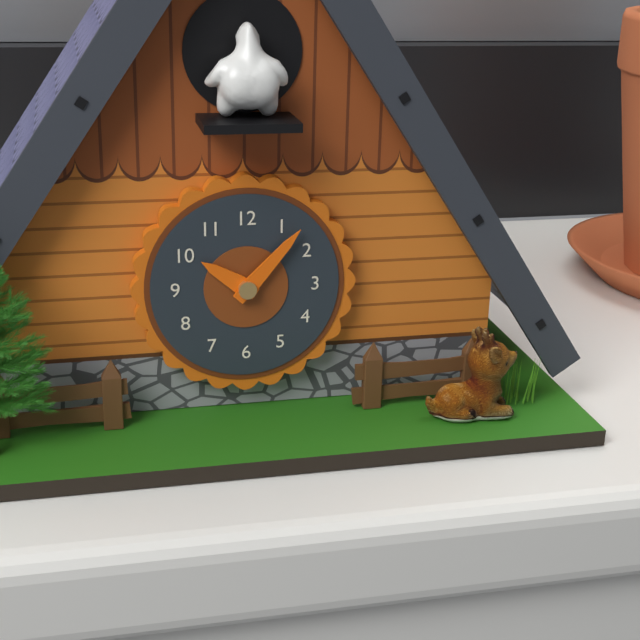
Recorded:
10 h 07 min
